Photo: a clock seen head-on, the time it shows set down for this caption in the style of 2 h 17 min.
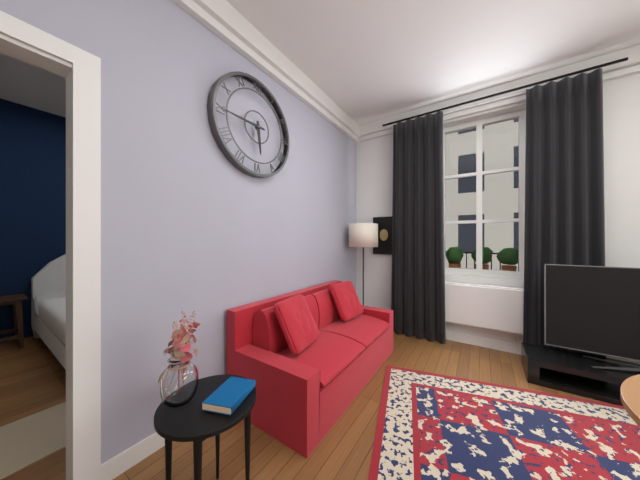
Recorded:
5 h 45 min
